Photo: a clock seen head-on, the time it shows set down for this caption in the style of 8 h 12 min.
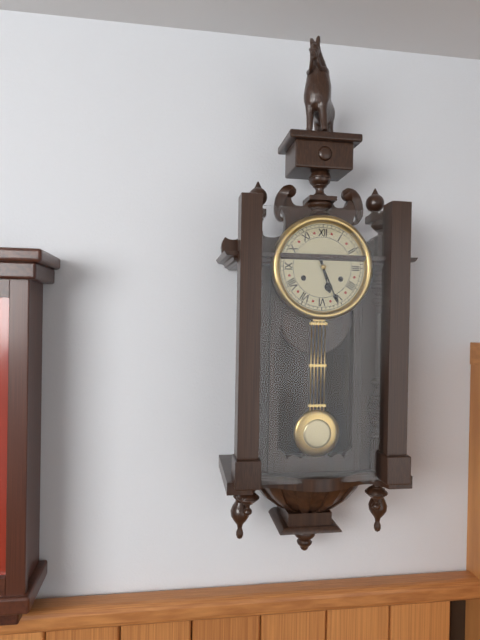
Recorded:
5 h 26 min
